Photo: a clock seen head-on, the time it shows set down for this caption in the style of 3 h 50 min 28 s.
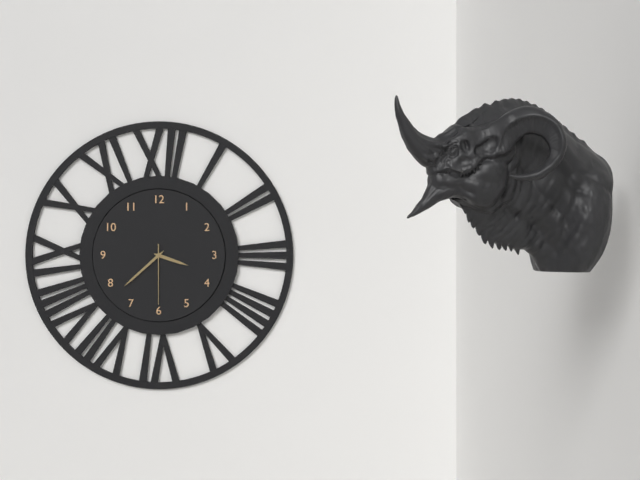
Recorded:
3 h 38 min 30 s
